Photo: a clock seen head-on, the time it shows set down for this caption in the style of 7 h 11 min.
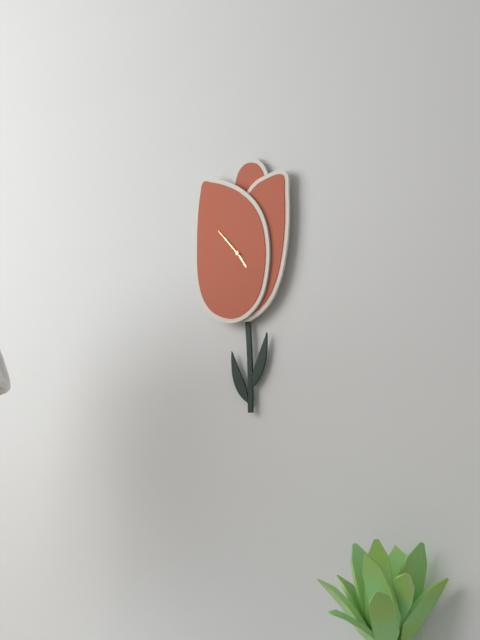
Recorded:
4 h 53 min
